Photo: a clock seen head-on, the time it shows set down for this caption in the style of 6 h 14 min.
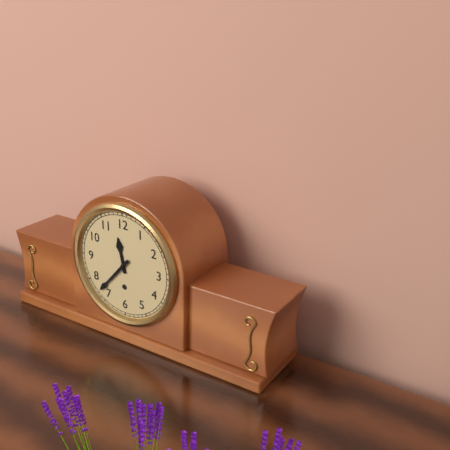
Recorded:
11 h 37 min
